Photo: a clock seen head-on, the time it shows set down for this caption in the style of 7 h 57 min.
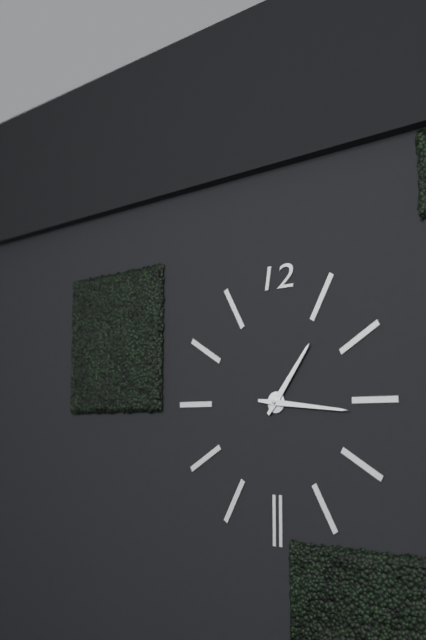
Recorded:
1 h 16 min
